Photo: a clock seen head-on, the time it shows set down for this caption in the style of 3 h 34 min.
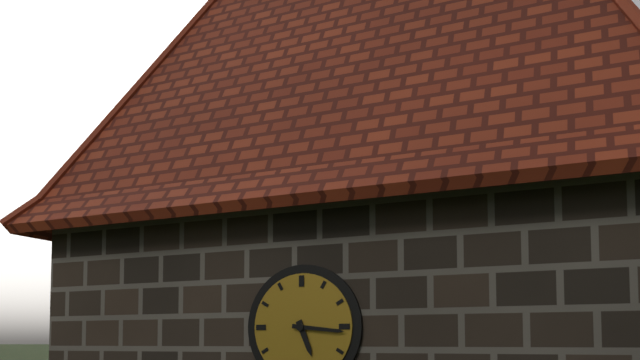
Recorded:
5 h 16 min
